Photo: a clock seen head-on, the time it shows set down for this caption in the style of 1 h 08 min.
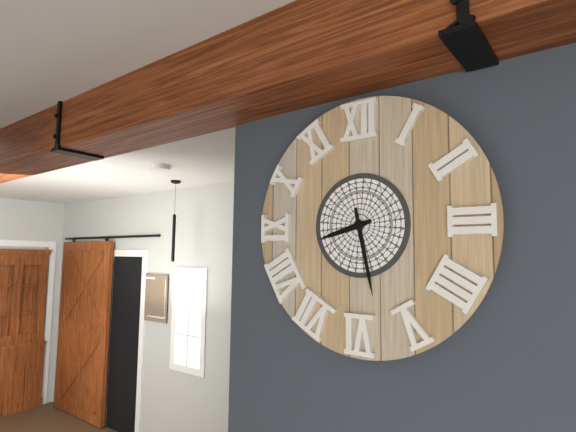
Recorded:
8 h 28 min
